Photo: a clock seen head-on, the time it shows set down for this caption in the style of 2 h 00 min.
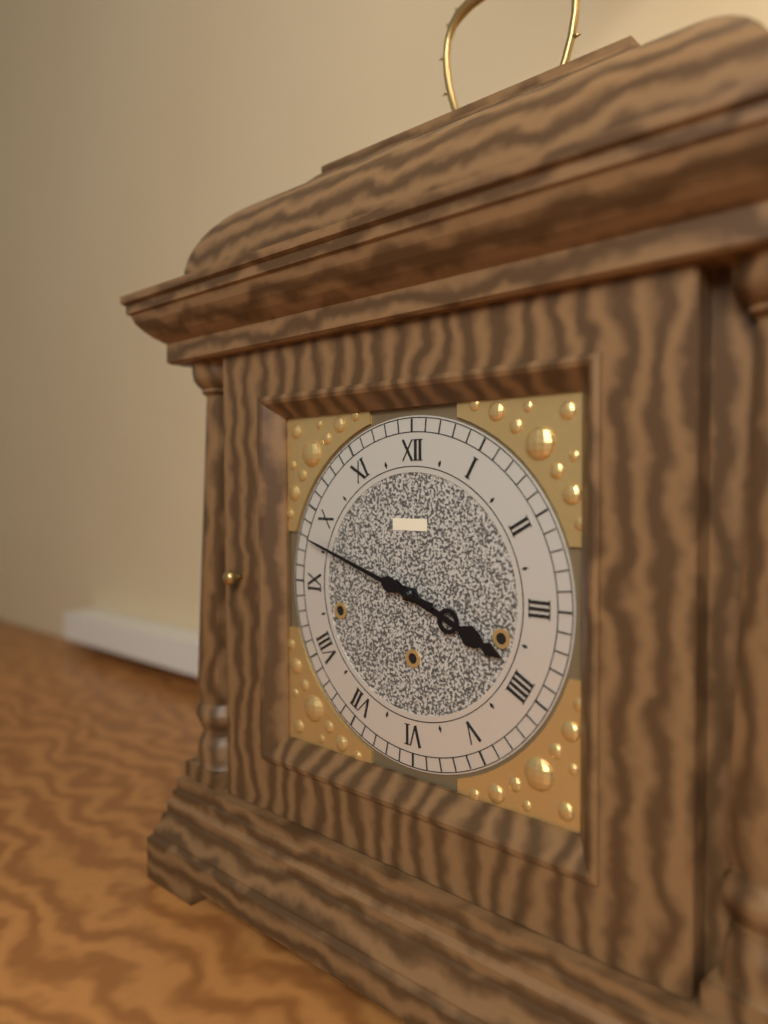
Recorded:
3 h 48 min
